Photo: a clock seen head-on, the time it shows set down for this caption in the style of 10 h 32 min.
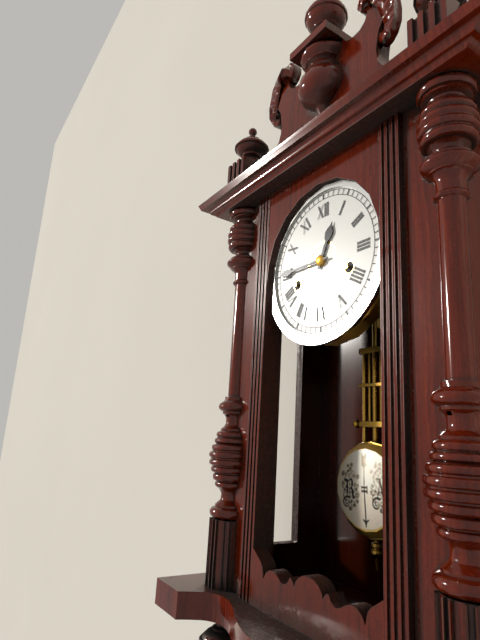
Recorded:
12 h 45 min
